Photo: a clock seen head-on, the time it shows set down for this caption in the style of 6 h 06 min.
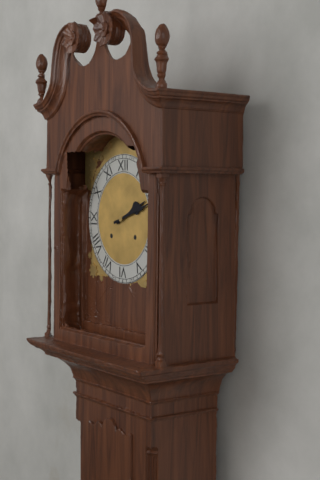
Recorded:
2 h 12 min
